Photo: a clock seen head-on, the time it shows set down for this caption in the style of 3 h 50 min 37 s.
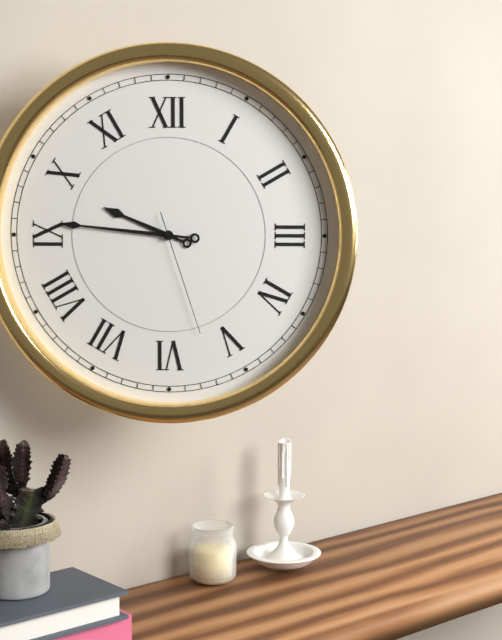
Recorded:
9 h 46 min 27 s
